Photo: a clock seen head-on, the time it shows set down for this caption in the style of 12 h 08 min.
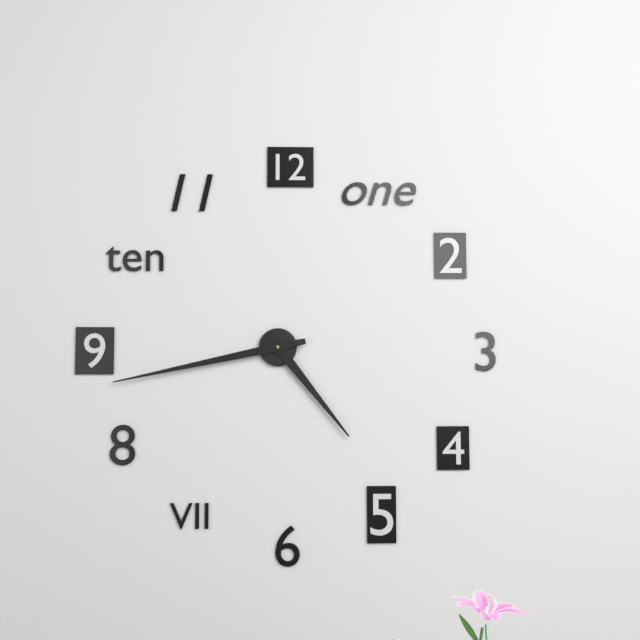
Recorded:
4 h 43 min
